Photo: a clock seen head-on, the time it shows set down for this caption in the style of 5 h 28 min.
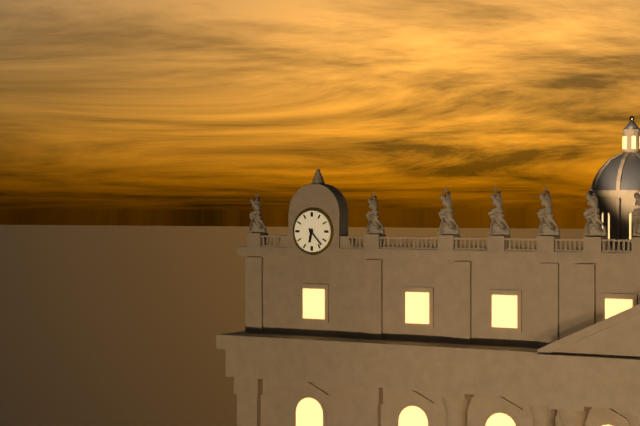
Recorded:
6 h 23 min
